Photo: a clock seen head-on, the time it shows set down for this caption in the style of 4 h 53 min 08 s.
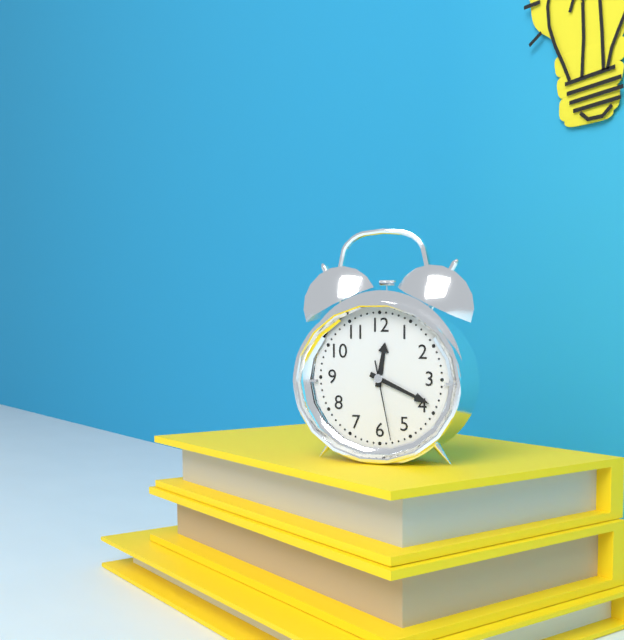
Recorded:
12 h 19 min 28 s
